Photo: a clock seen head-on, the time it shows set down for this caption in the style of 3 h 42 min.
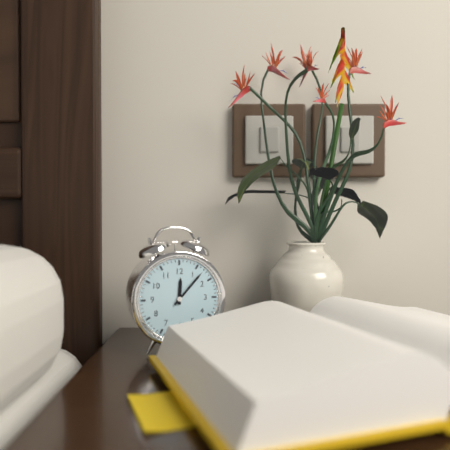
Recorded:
12 h 07 min
